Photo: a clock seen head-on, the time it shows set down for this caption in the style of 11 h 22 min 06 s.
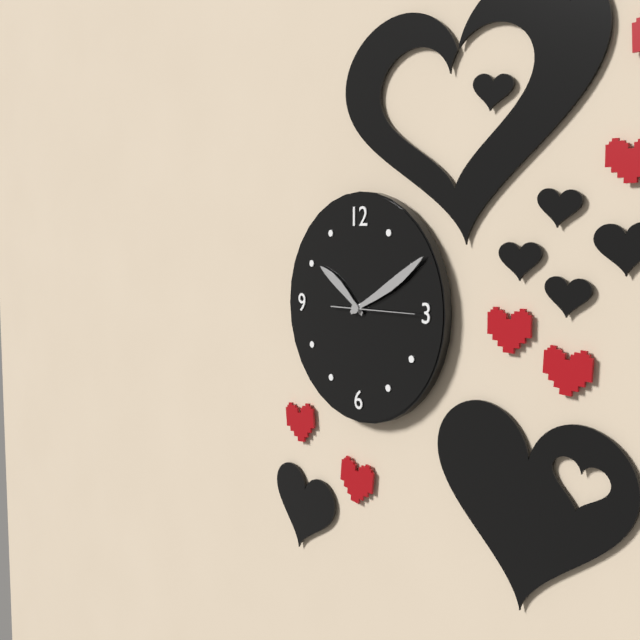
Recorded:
10 h 10 min 15 s
